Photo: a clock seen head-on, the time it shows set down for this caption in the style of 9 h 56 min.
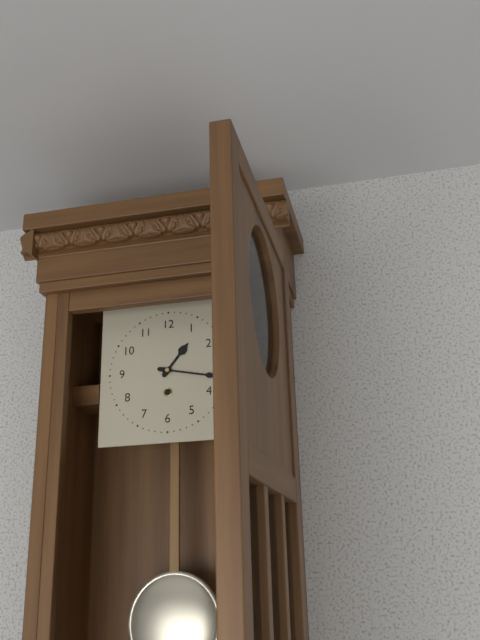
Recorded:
1 h 17 min
